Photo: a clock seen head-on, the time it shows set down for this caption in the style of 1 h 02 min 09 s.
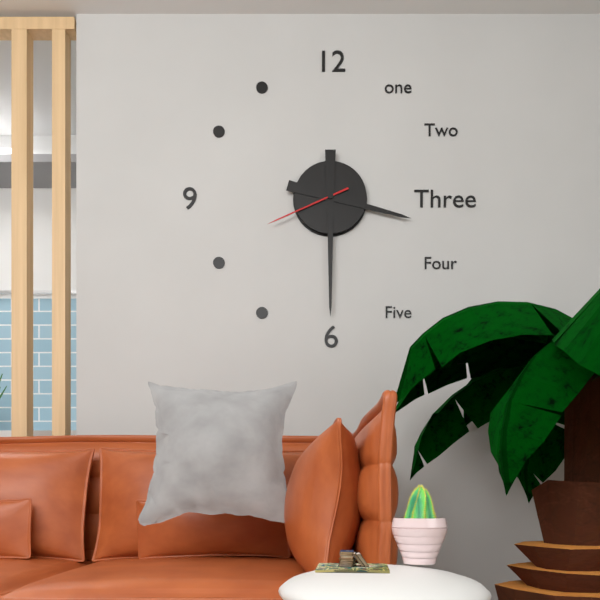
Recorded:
3 h 30 min 41 s
